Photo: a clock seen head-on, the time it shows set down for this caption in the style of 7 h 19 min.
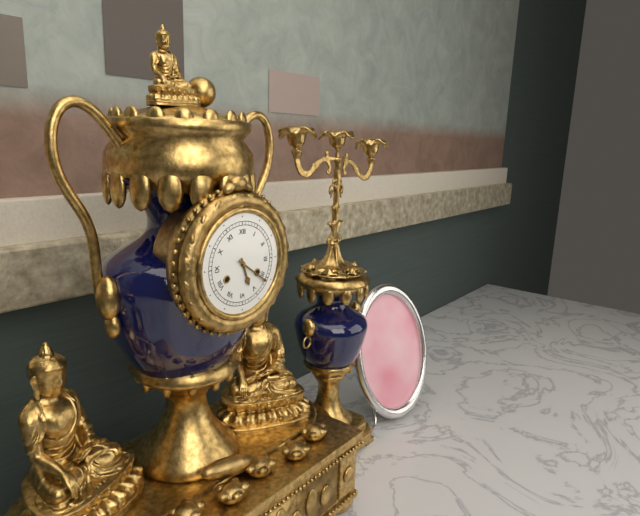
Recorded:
5 h 21 min
